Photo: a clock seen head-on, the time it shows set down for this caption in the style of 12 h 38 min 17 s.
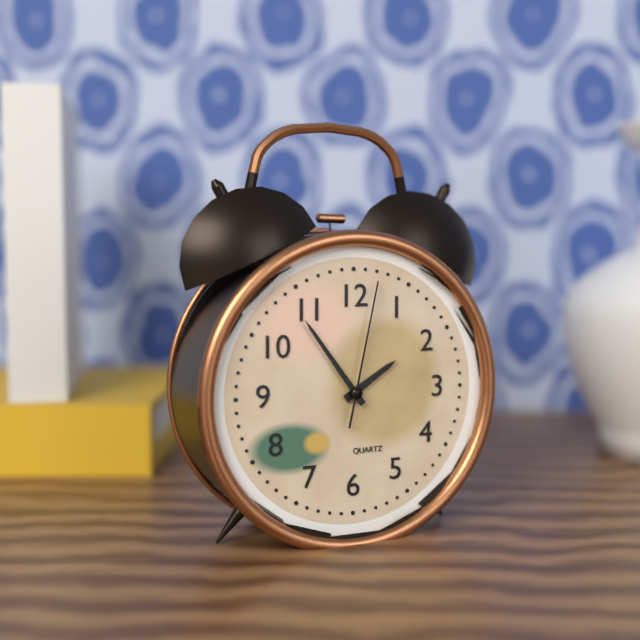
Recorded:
1 h 54 min 02 s
